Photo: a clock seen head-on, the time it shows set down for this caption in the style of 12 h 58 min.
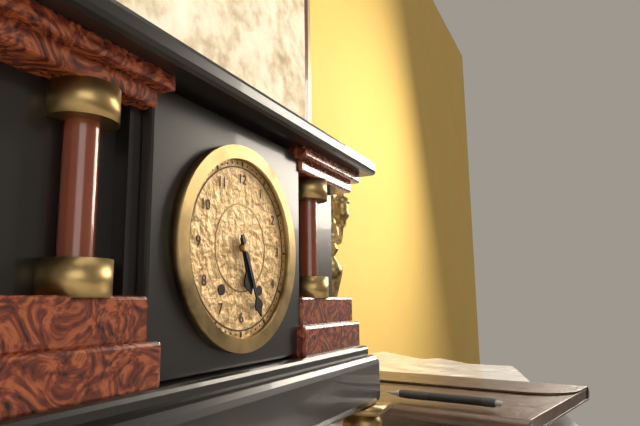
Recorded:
5 h 26 min
